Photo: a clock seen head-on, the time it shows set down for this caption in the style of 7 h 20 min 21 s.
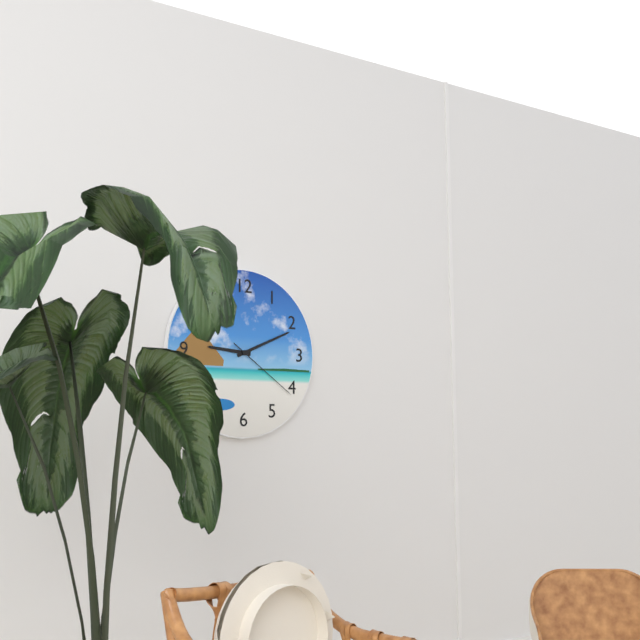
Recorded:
9 h 11 min 21 s
